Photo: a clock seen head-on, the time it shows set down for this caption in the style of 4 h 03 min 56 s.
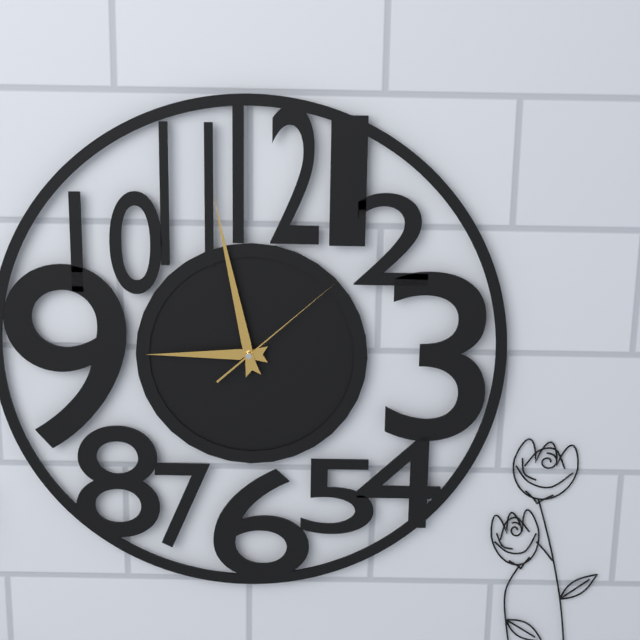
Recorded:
8 h 58 min 08 s
